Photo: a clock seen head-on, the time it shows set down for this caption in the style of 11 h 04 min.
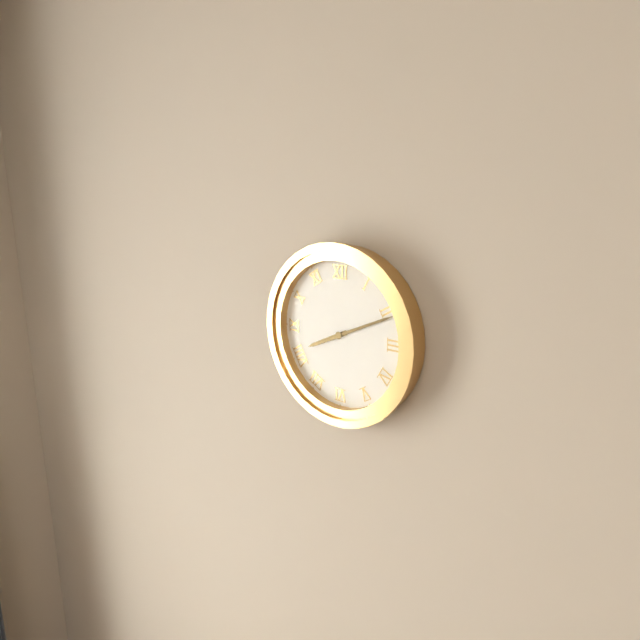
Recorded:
8 h 11 min
